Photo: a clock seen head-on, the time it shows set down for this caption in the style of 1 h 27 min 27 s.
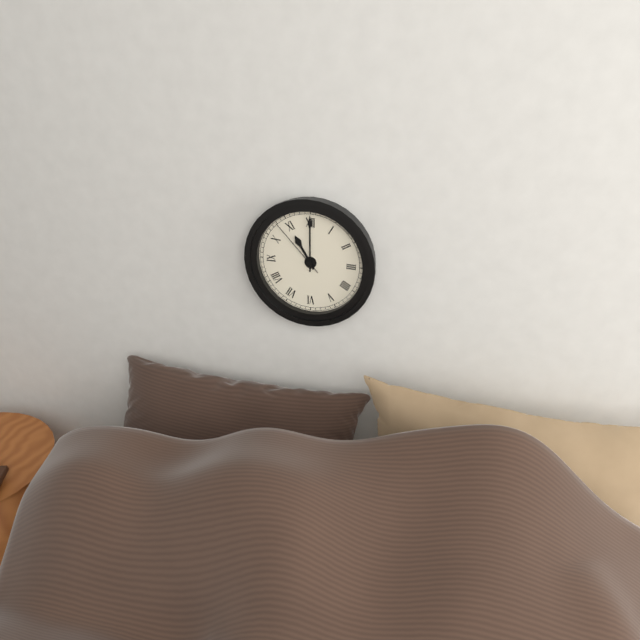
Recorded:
11 h 00 min 53 s
